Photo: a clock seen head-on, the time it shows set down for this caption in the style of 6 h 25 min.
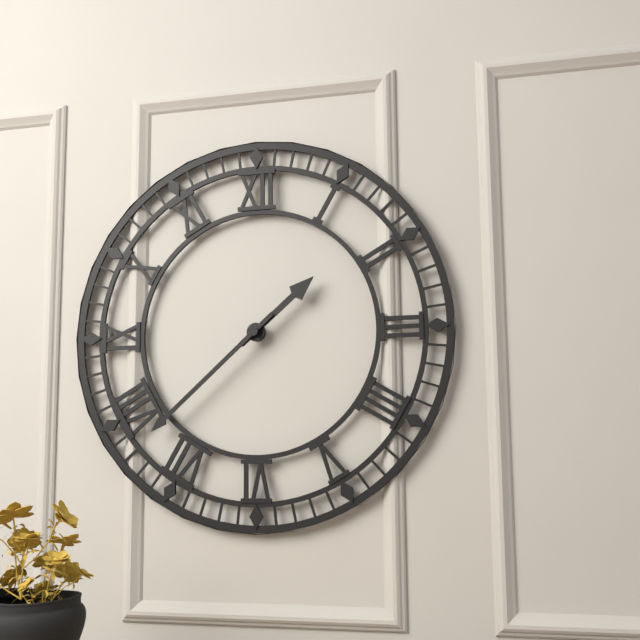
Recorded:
1 h 38 min
